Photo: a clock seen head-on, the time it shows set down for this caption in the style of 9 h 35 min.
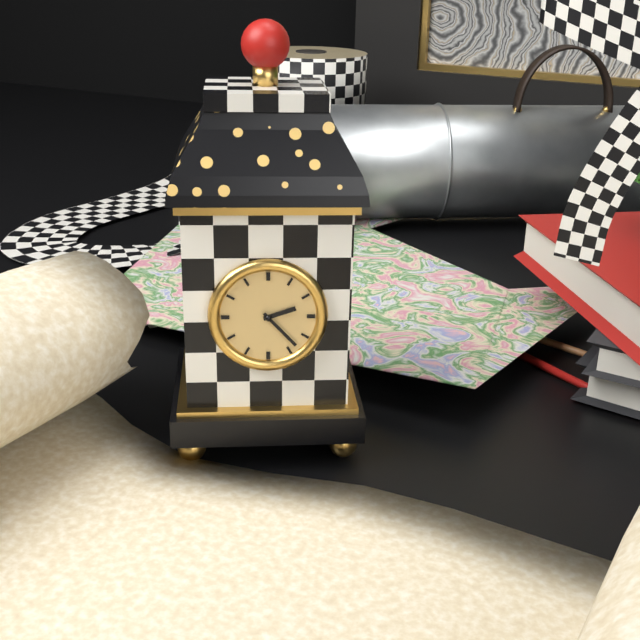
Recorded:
2 h 23 min
